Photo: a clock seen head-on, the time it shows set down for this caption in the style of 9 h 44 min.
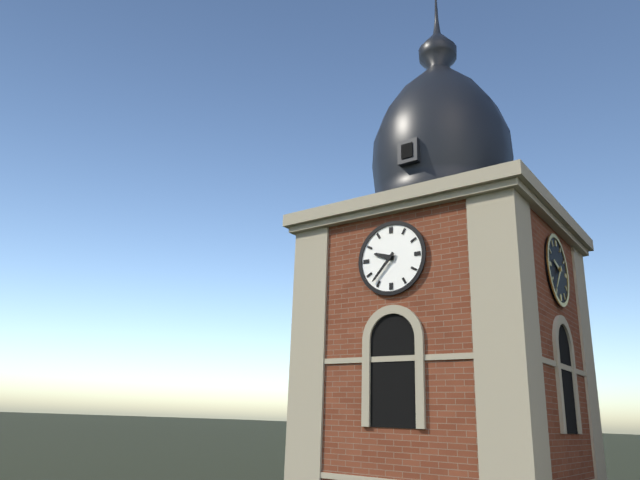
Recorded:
9 h 37 min
